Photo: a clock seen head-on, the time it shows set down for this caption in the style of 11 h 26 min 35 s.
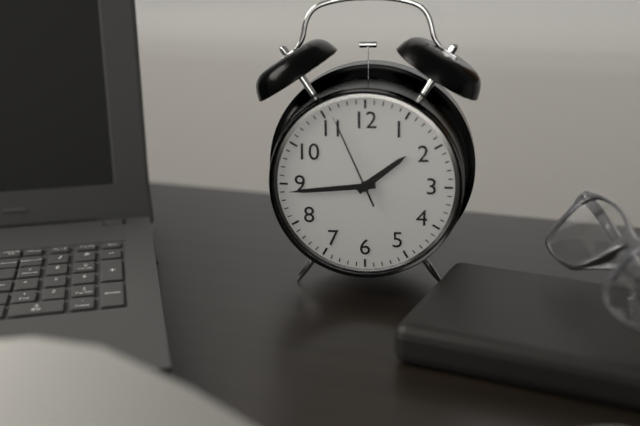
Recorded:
1 h 44 min 56 s
